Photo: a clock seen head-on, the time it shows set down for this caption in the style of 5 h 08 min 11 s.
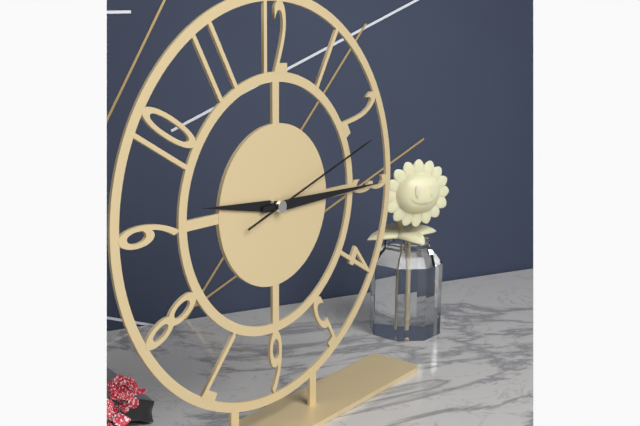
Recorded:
9 h 15 min 12 s
